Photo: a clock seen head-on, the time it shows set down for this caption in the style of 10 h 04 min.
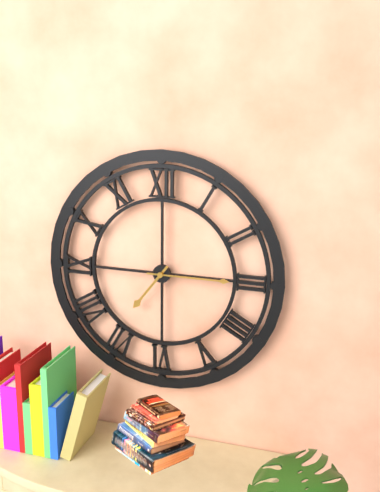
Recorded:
7 h 15 min
